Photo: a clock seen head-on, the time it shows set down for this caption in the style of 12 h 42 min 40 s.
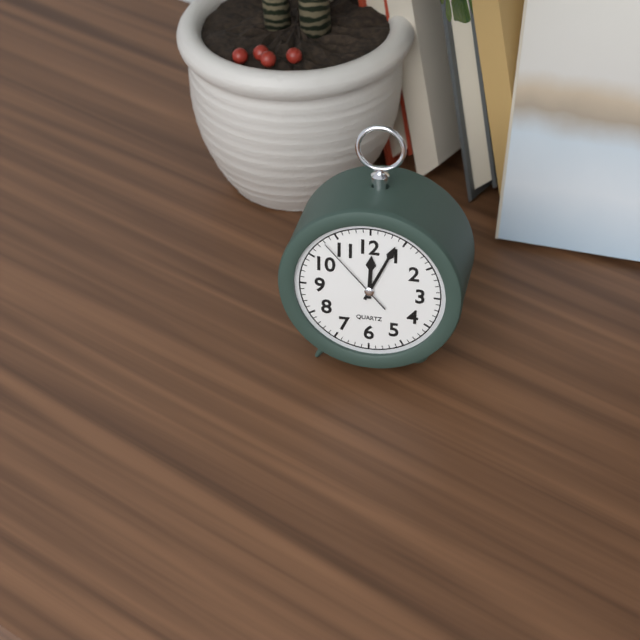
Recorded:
12 h 04 min 53 s
